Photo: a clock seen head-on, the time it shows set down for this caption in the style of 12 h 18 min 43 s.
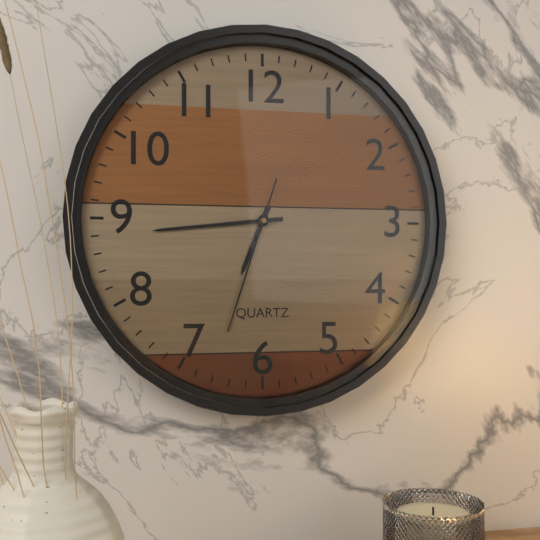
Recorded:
6 h 44 min 33 s
